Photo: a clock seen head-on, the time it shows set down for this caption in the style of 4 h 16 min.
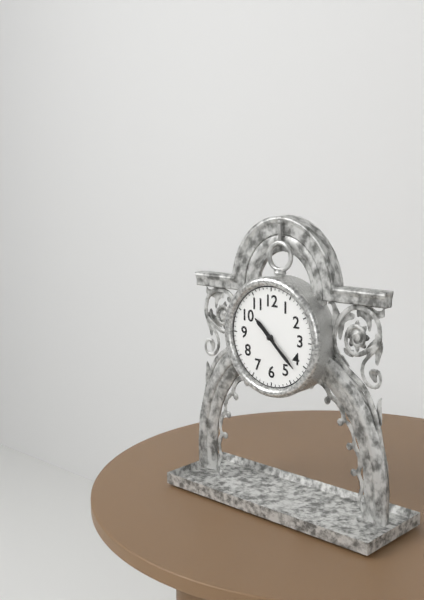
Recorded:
10 h 22 min
